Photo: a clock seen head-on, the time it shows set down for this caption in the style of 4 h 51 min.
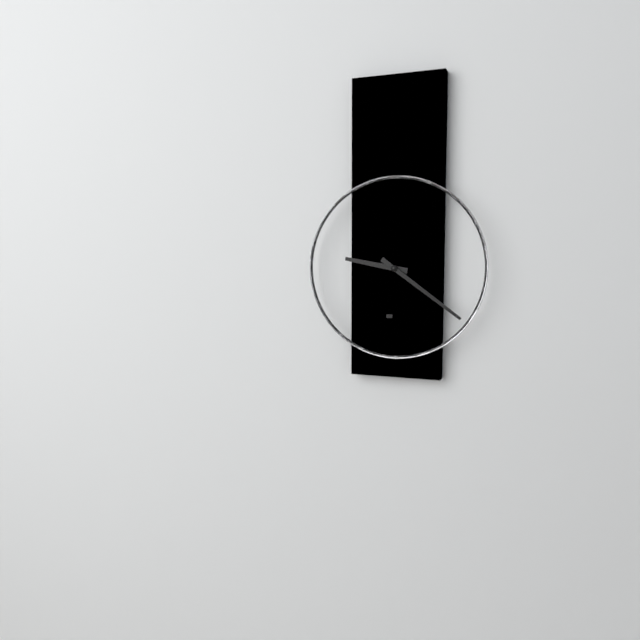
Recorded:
9 h 21 min
